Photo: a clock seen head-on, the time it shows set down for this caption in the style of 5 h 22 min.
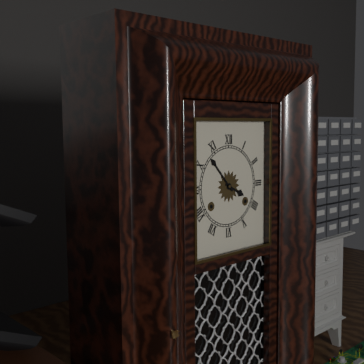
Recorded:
3 h 53 min
